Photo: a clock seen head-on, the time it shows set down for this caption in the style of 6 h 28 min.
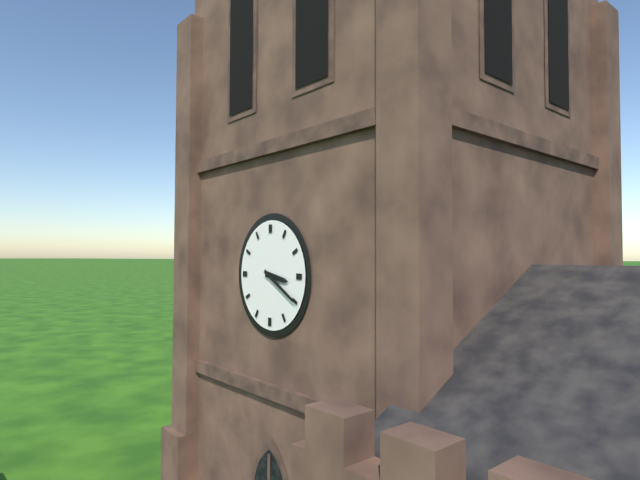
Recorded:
3 h 20 min
